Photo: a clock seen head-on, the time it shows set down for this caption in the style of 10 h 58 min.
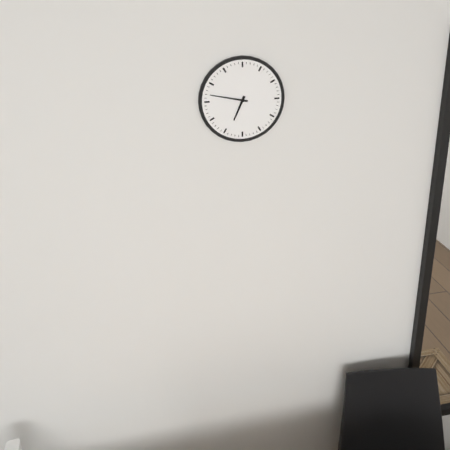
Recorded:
6 h 47 min
